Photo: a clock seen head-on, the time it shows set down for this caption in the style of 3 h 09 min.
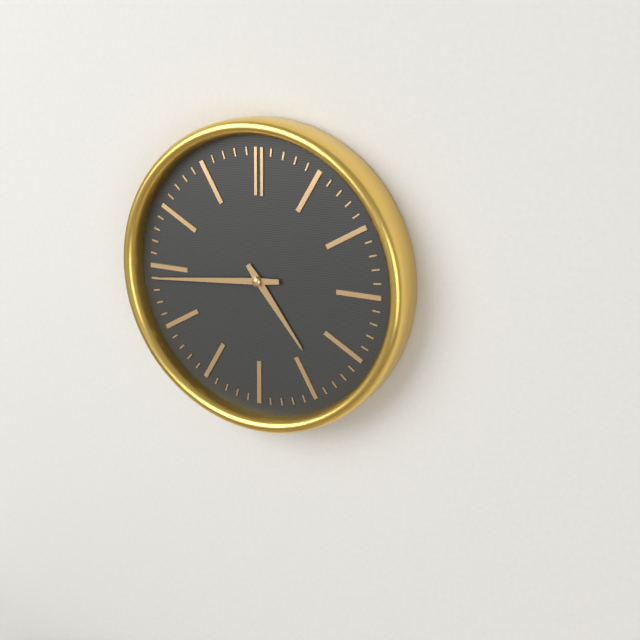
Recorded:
4 h 44 min
